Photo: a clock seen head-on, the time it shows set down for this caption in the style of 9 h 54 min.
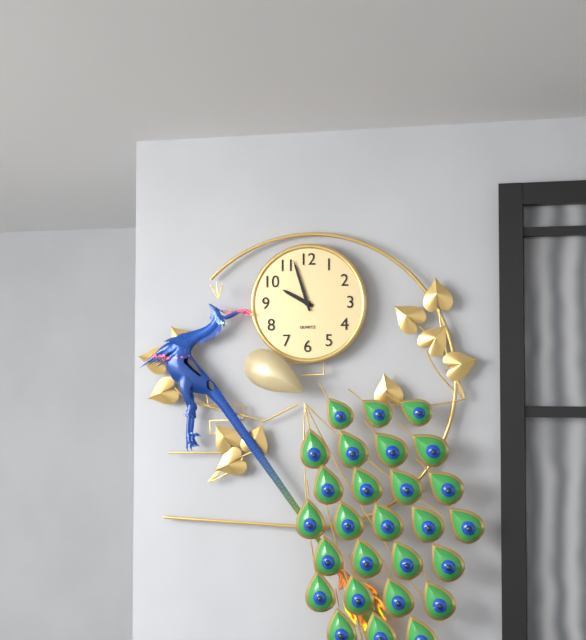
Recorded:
9 h 57 min
